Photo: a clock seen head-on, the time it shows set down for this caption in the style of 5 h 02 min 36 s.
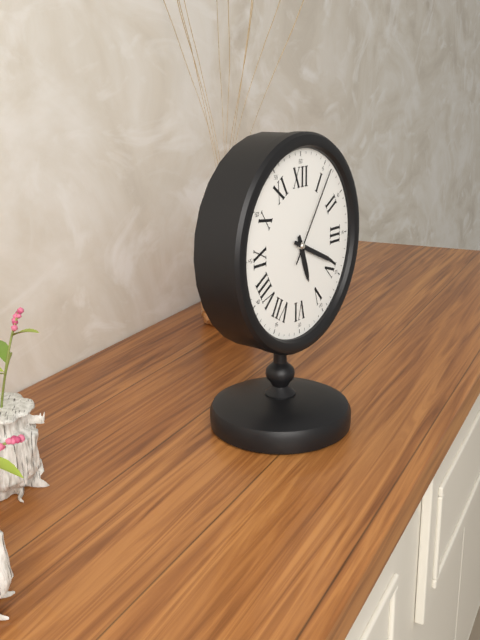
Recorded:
5 h 19 min 06 s
